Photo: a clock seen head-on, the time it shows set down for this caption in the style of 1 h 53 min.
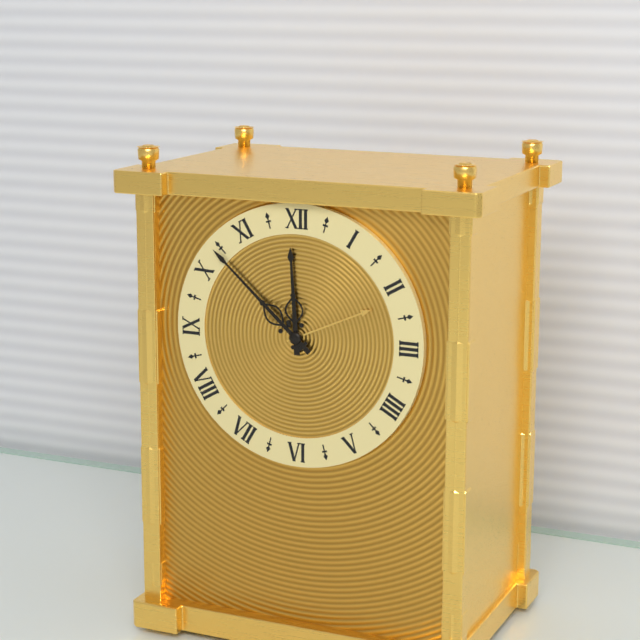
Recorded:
11 h 52 min
